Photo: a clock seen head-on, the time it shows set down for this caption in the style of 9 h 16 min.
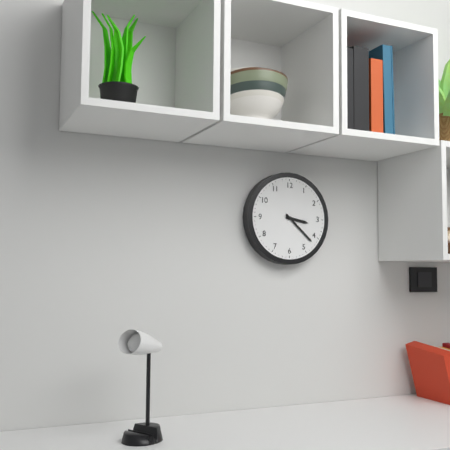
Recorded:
3 h 22 min
